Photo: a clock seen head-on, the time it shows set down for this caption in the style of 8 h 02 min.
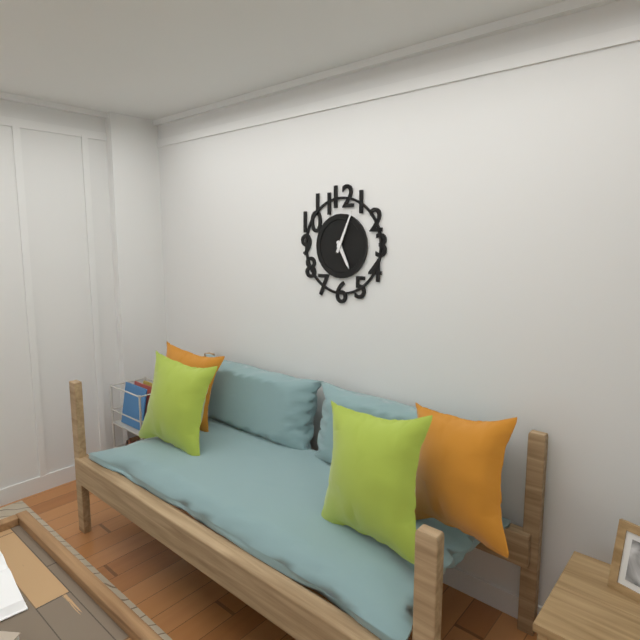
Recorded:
5 h 04 min
